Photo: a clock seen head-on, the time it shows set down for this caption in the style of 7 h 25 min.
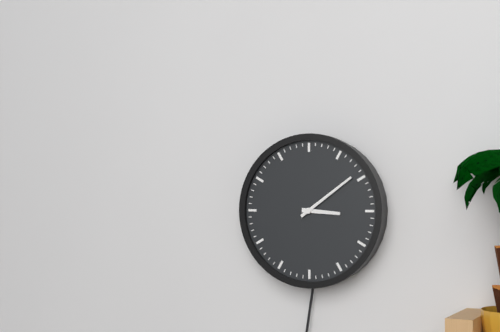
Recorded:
3 h 09 min
